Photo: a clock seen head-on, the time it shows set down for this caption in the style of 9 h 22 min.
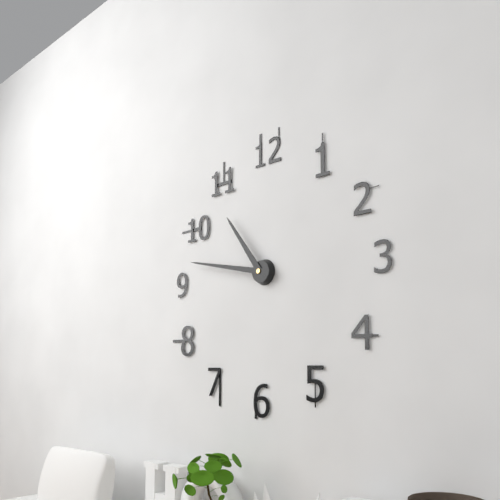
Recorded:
10 h 47 min
